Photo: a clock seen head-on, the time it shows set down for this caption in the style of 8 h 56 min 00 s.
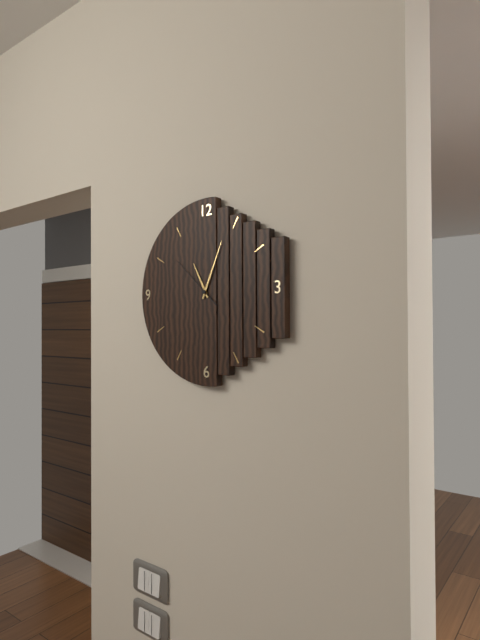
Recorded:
11 h 04 min 52 s
